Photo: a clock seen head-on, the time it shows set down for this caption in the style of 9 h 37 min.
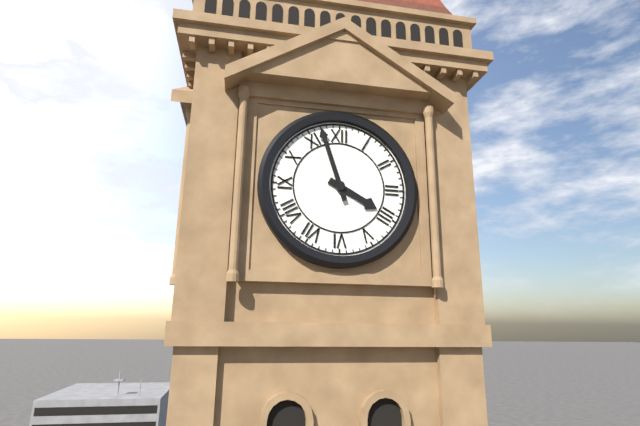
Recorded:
3 h 57 min
